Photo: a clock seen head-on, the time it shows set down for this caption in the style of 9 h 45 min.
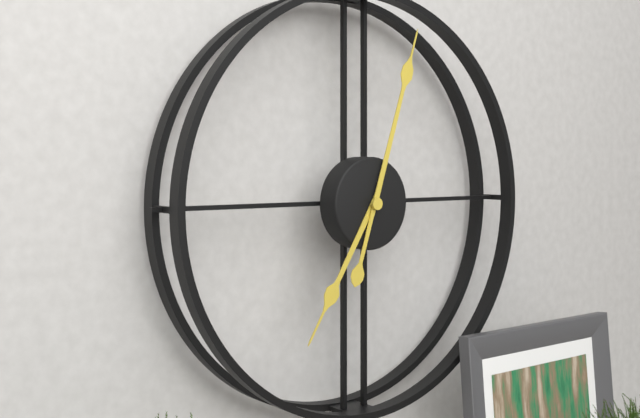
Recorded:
7 h 03 min
